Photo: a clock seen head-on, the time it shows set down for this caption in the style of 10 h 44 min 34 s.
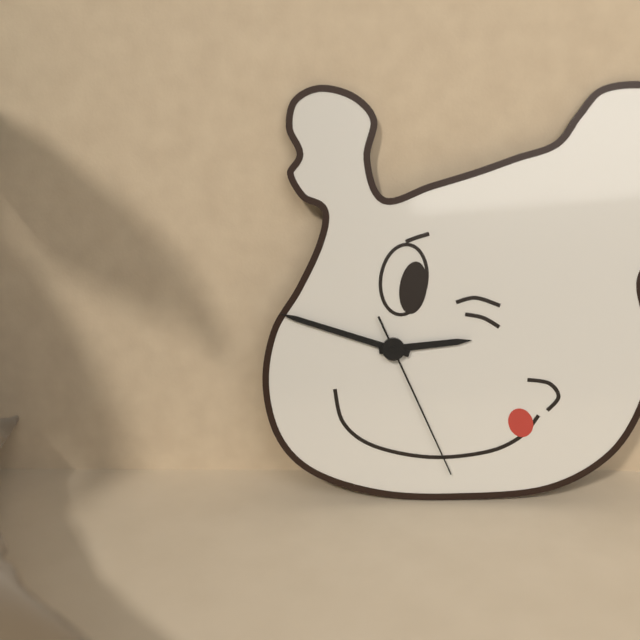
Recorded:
2 h 48 min 26 s
